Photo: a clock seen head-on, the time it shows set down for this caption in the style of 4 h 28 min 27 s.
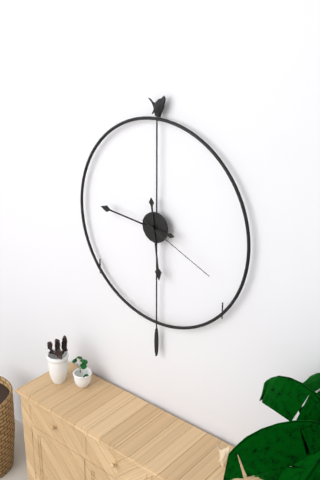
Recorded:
5 h 46 min 19 s
